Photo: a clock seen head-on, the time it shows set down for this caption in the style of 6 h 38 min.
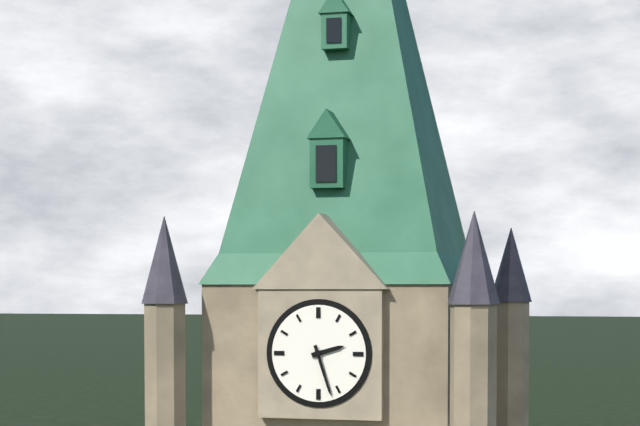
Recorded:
2 h 27 min
